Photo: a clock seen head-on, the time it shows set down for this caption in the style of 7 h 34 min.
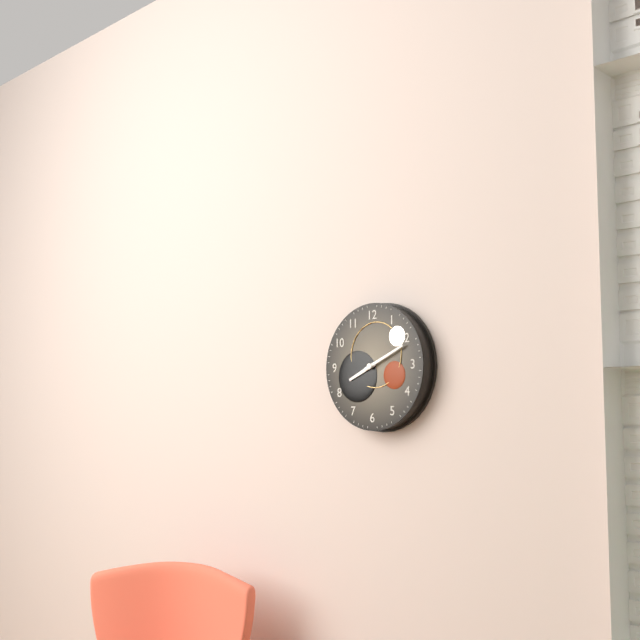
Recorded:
8 h 11 min
